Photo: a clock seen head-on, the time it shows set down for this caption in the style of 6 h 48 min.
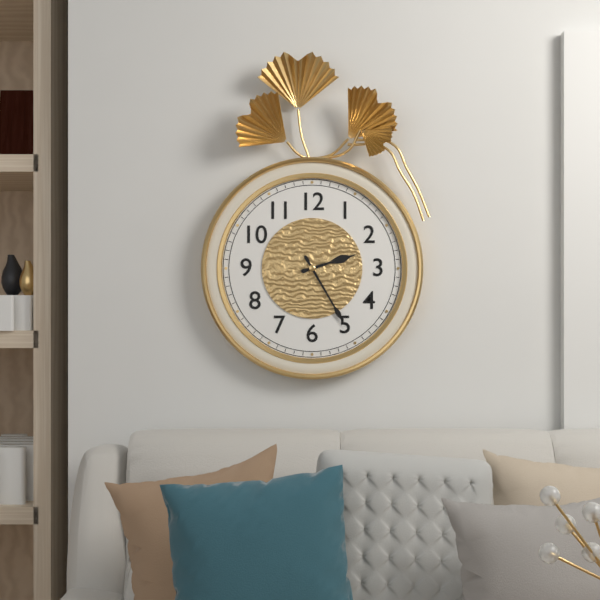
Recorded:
2 h 25 min
